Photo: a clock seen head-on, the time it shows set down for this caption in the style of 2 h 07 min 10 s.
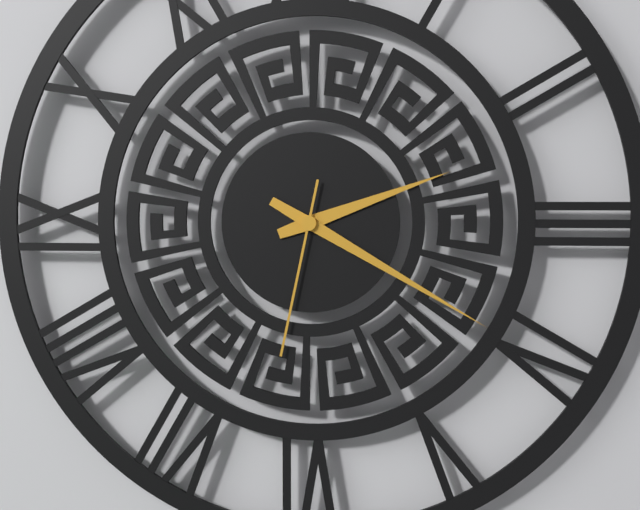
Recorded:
2 h 20 min 32 s
